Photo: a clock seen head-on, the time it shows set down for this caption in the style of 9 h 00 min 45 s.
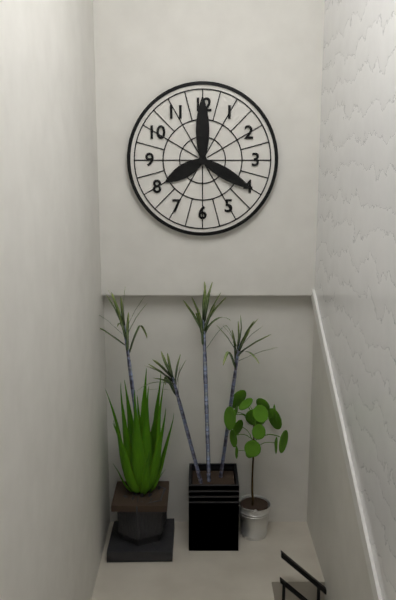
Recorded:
8 h 00 min 20 s
